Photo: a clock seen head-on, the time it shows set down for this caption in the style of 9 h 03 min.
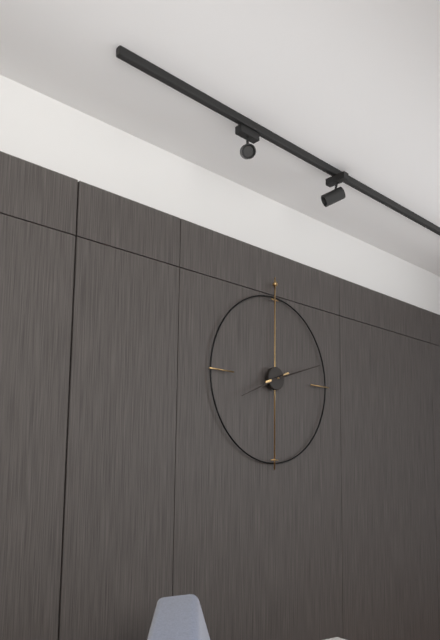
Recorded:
8 h 12 min
